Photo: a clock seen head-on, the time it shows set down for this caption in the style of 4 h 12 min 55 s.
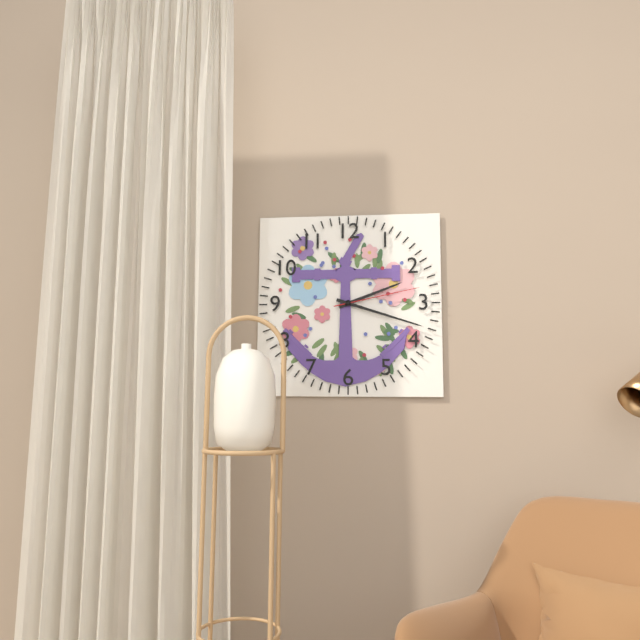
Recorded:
2 h 18 min 13 s
